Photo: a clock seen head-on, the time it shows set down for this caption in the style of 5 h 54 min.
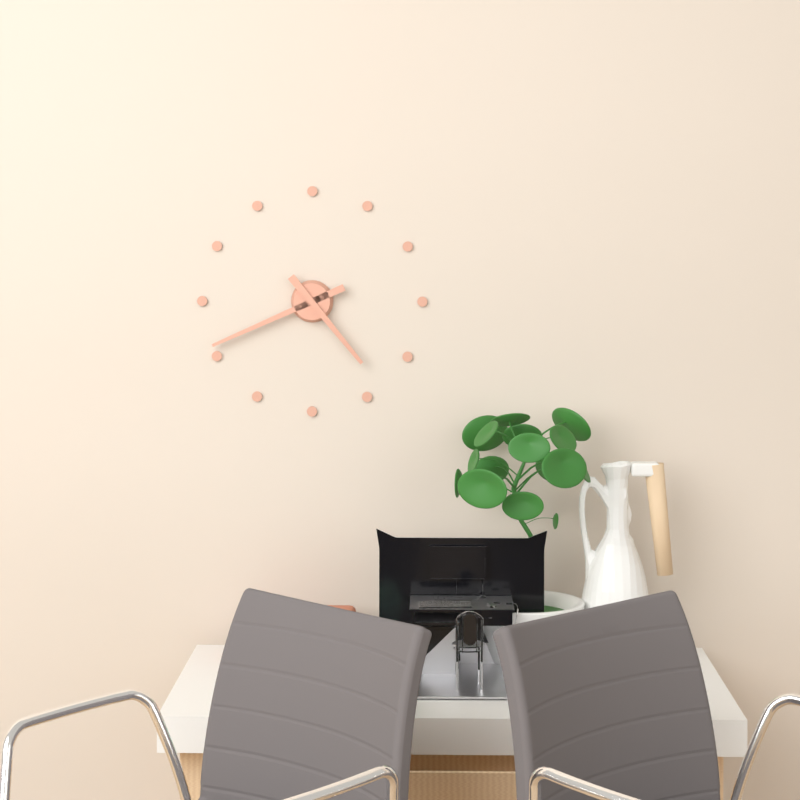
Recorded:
4 h 41 min
